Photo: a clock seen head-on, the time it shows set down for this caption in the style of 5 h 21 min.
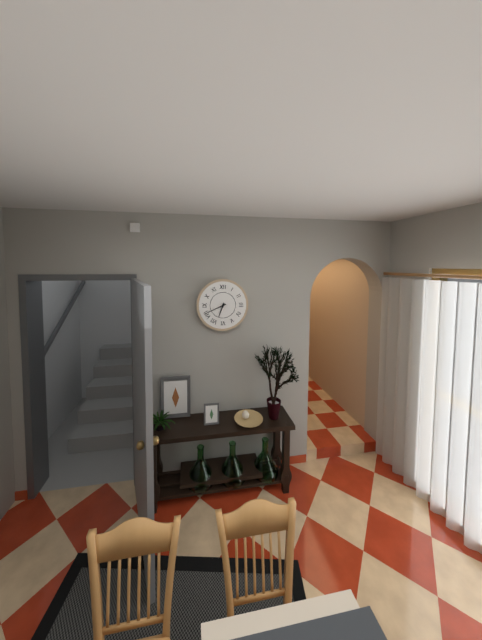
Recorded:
6 h 41 min
